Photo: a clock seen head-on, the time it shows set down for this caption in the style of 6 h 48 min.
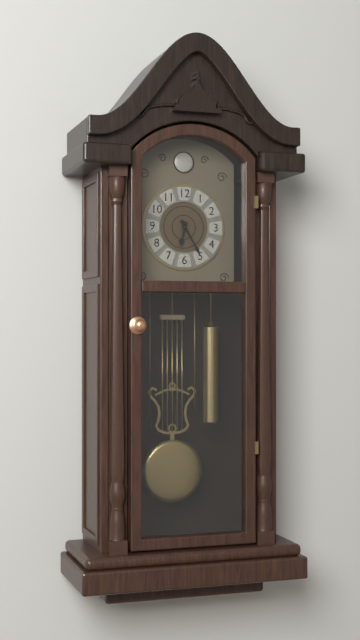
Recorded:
6 h 25 min
